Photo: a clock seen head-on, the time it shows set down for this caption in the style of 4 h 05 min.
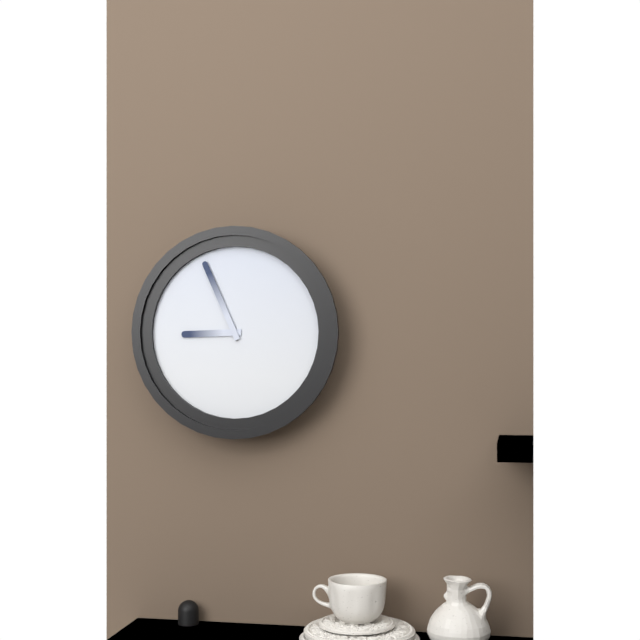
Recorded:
8 h 56 min
